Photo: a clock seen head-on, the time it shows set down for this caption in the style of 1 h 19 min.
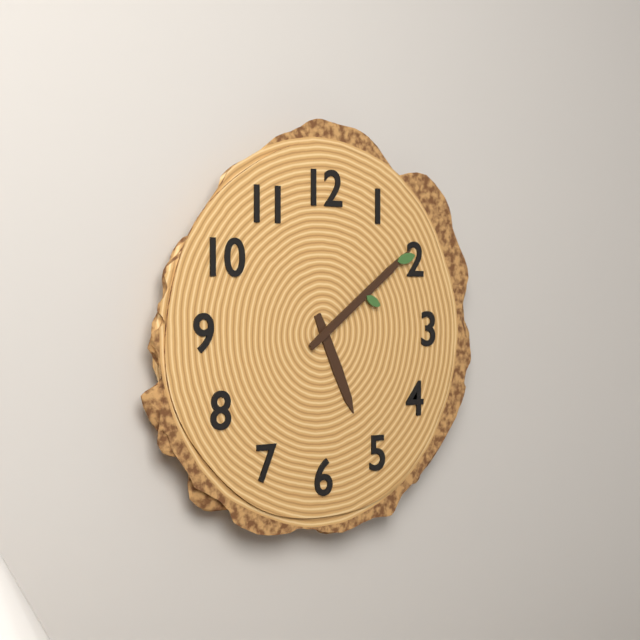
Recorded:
5 h 09 min
